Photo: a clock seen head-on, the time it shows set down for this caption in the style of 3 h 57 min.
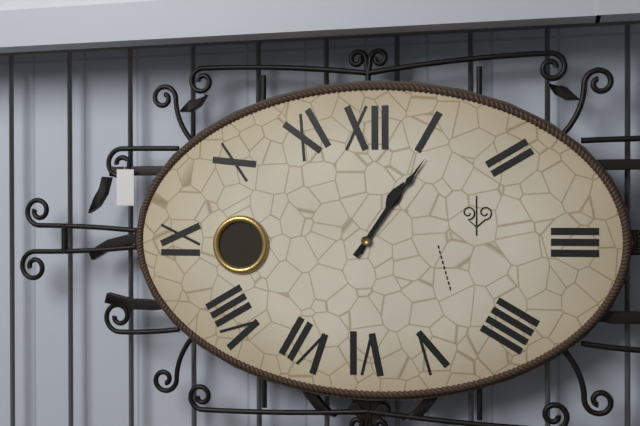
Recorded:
1 h 06 min
